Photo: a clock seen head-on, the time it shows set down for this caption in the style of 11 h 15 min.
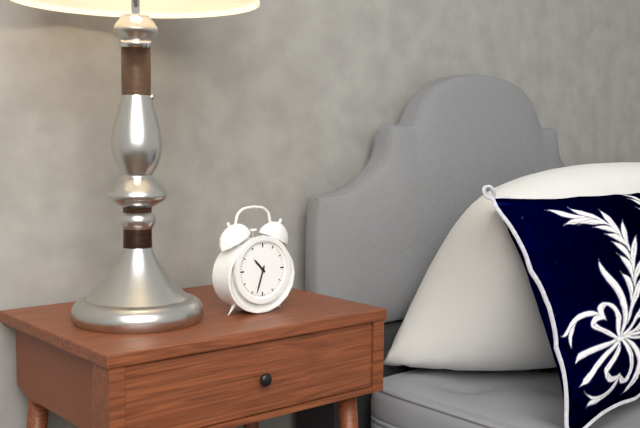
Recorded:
10 h 33 min
